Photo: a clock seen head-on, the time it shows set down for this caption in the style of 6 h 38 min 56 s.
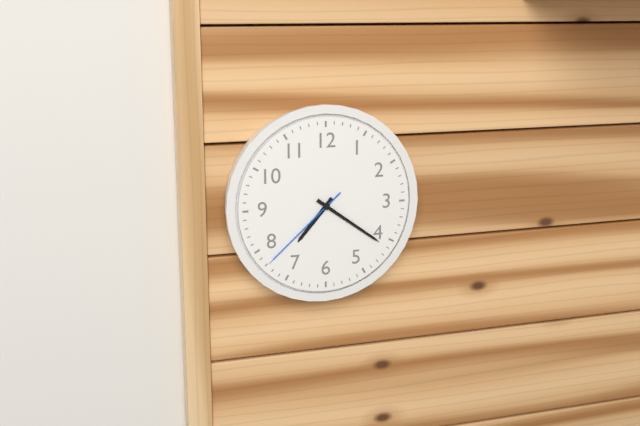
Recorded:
7 h 21 min 38 s
